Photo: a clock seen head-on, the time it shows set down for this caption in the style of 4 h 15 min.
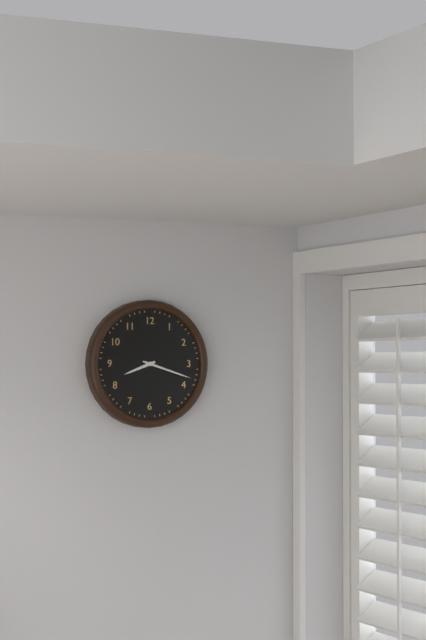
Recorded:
8 h 18 min
